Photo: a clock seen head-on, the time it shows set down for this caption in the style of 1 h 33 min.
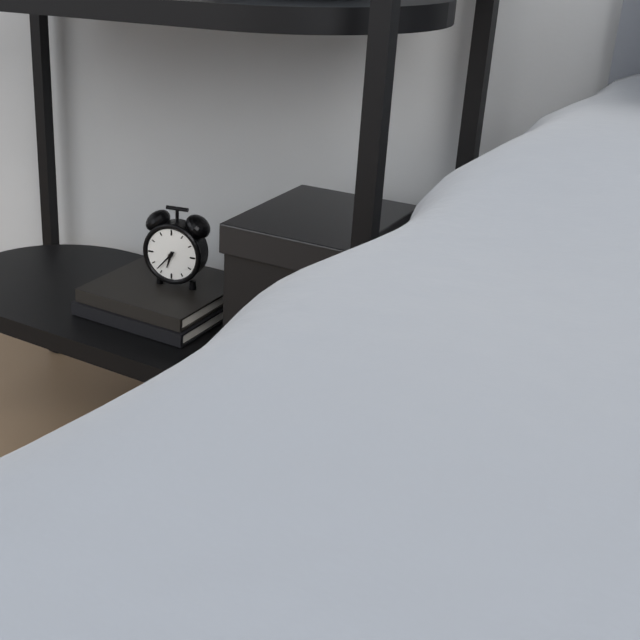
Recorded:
6 h 37 min
